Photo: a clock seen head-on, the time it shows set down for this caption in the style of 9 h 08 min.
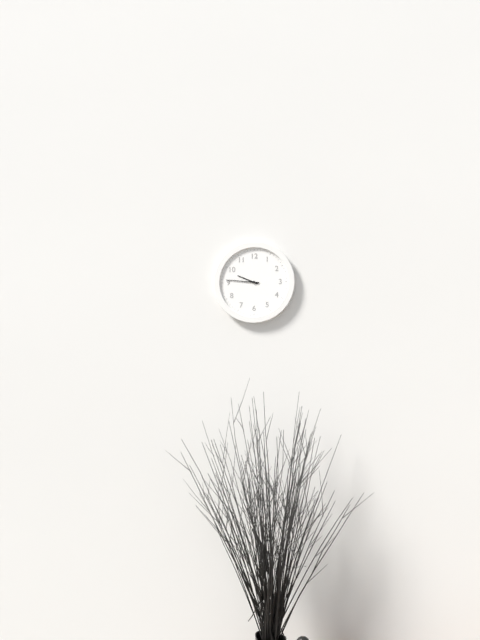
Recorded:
9 h 46 min
